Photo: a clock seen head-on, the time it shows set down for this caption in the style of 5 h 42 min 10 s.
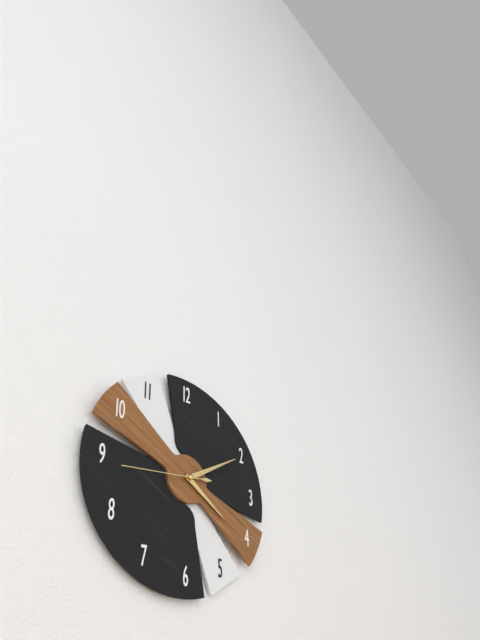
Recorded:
4 h 10 min 44 s
